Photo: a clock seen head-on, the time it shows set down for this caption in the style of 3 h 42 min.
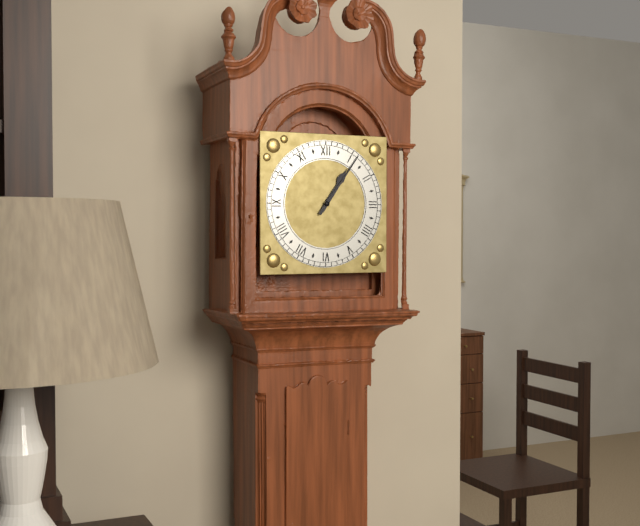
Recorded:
1 h 06 min
